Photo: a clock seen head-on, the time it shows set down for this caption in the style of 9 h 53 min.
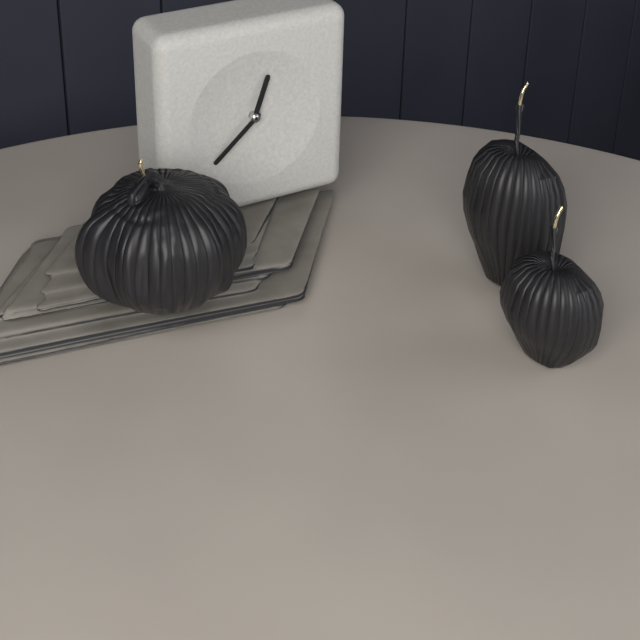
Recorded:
12 h 38 min
